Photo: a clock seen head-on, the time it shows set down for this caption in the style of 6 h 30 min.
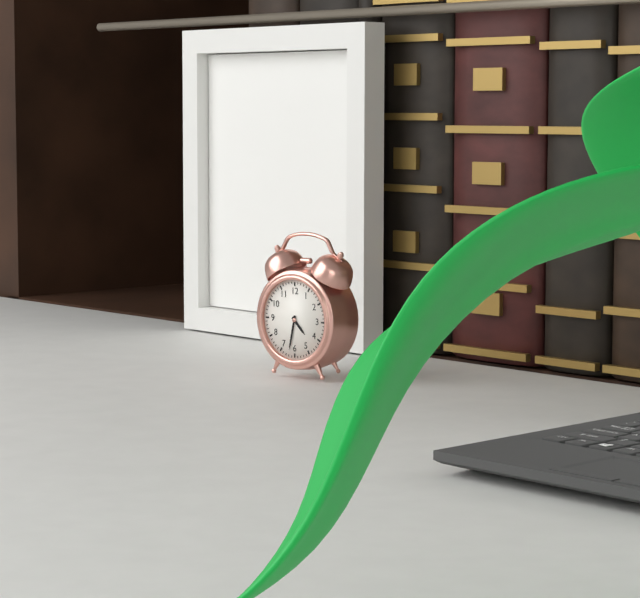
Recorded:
4 h 32 min
